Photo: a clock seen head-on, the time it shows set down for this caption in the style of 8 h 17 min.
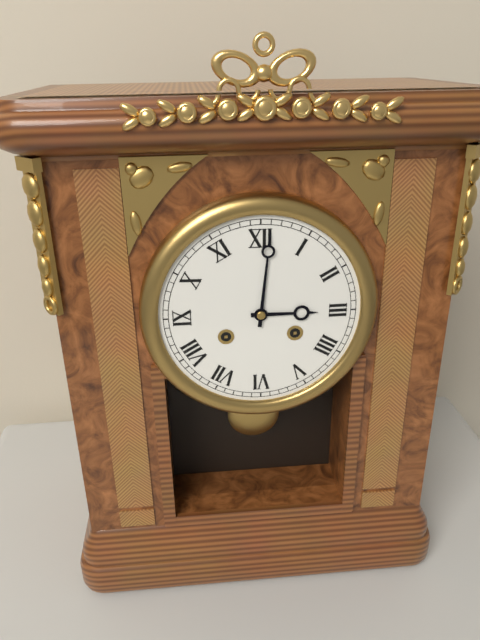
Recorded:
3 h 01 min
